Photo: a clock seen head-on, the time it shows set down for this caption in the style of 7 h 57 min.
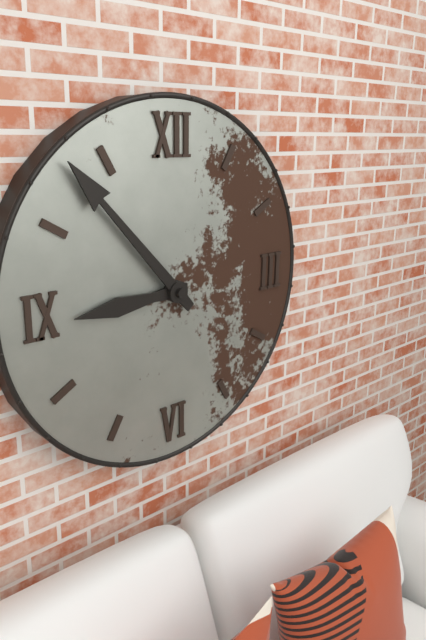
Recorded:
8 h 53 min
